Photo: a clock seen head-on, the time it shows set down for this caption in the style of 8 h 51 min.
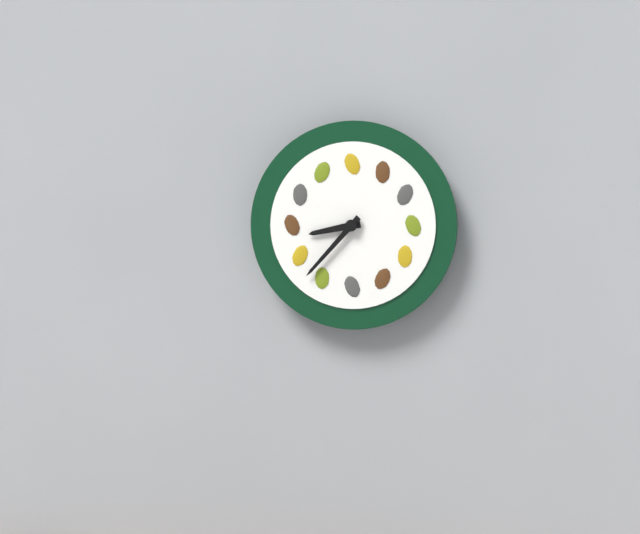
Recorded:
8 h 37 min
